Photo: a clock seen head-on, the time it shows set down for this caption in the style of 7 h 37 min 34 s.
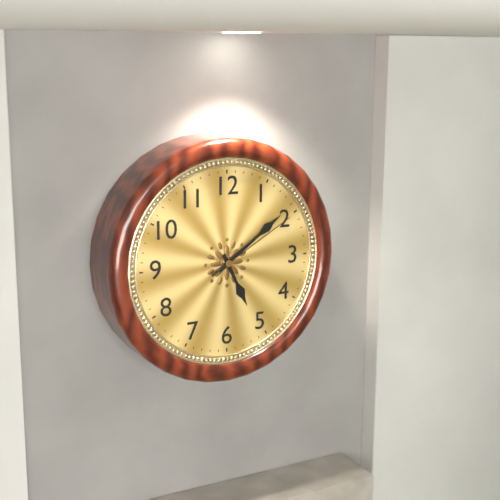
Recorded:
5 h 09 min 10 s
